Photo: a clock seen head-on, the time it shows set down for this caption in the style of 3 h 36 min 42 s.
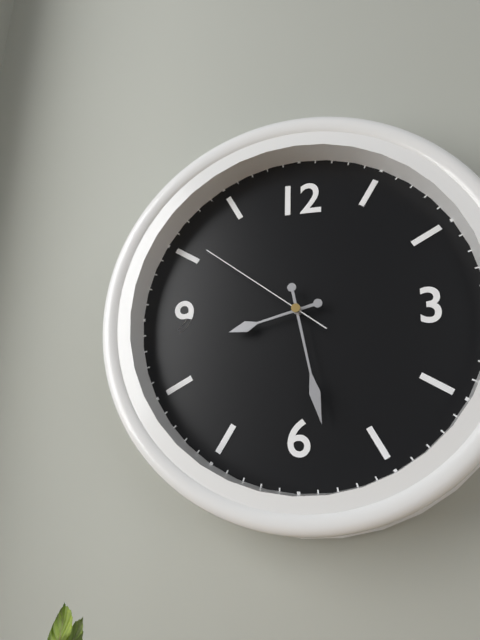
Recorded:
8 h 28 min 51 s
